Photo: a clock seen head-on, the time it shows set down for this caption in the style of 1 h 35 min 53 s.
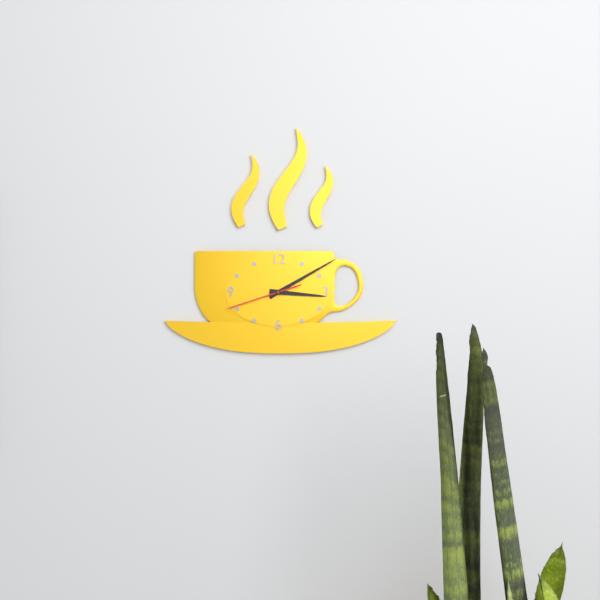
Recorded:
3 h 10 min 42 s
